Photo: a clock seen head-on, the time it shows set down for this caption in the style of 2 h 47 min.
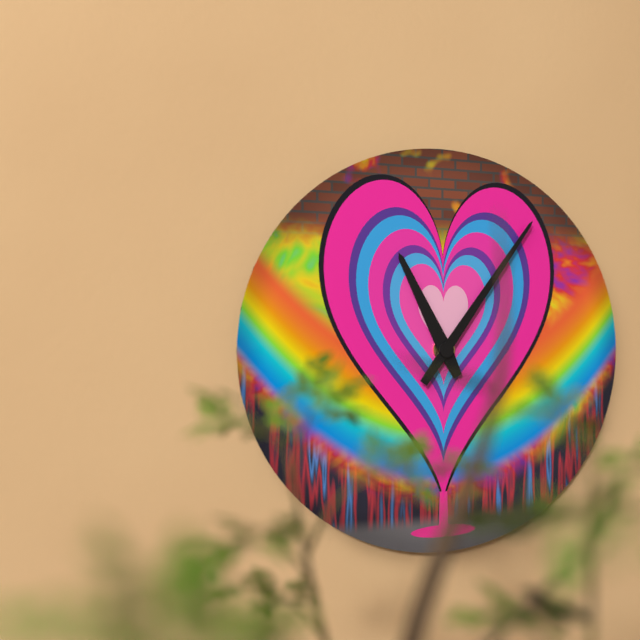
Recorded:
11 h 06 min
